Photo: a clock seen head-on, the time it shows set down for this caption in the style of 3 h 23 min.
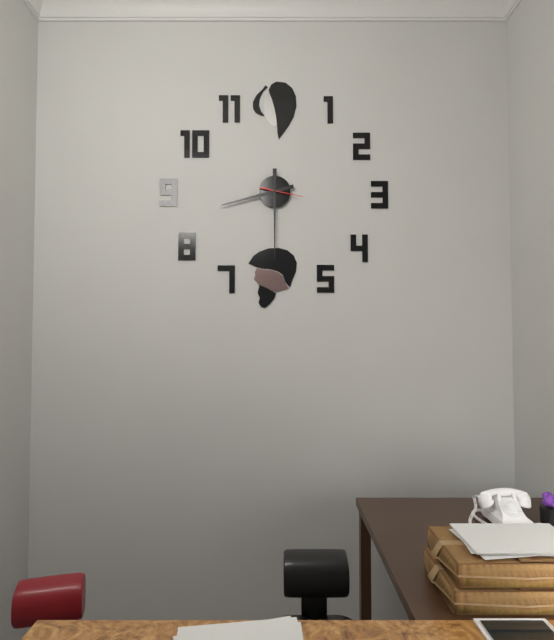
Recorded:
8 h 30 min
